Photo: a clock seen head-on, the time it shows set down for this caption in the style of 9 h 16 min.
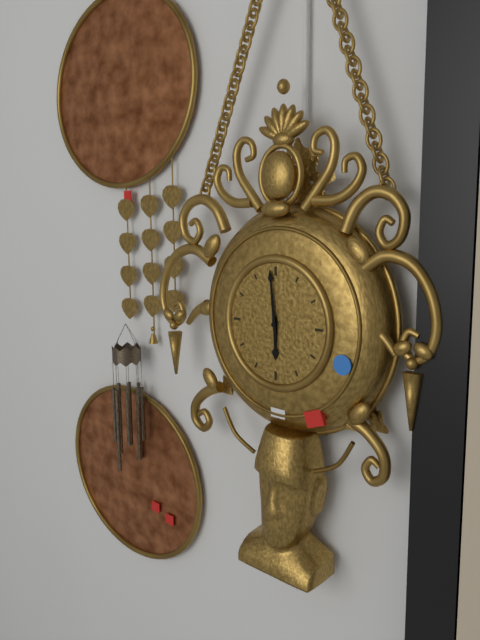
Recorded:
5 h 59 min
